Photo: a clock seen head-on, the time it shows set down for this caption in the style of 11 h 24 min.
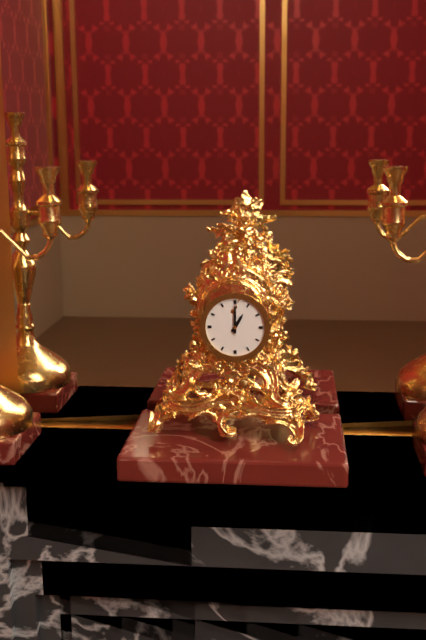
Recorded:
1 h 00 min
